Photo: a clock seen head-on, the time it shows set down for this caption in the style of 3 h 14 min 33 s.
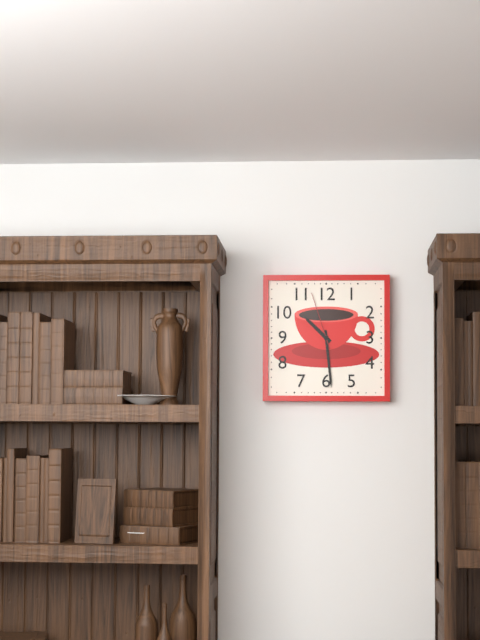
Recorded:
10 h 29 min 57 s
